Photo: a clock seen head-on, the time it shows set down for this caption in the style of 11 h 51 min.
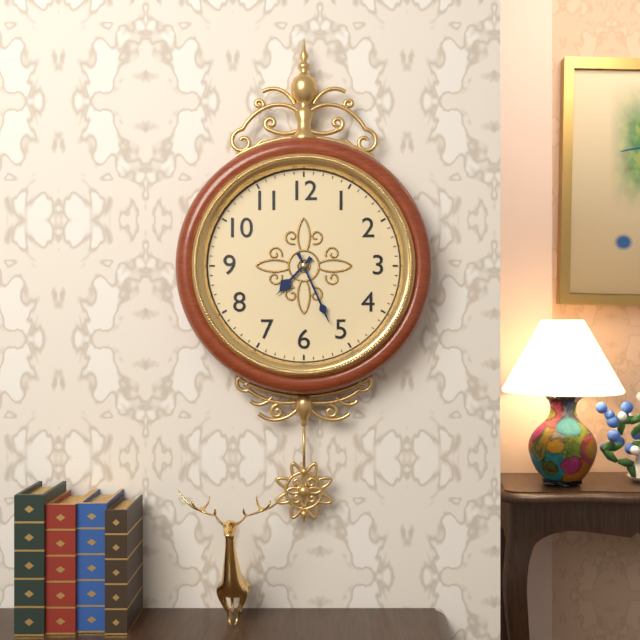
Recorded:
7 h 26 min
